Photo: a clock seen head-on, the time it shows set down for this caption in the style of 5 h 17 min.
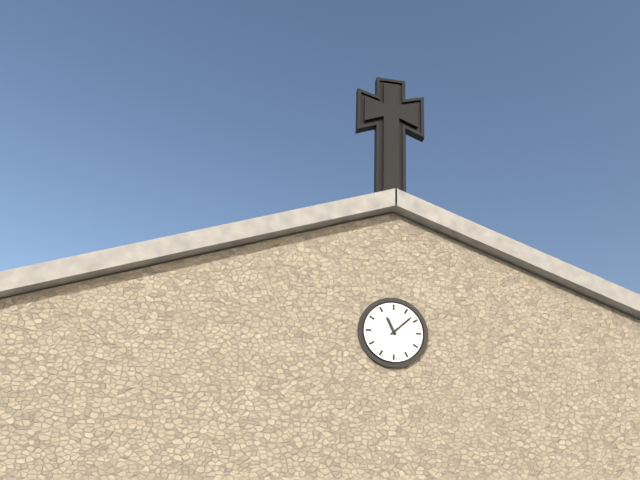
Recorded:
11 h 08 min
